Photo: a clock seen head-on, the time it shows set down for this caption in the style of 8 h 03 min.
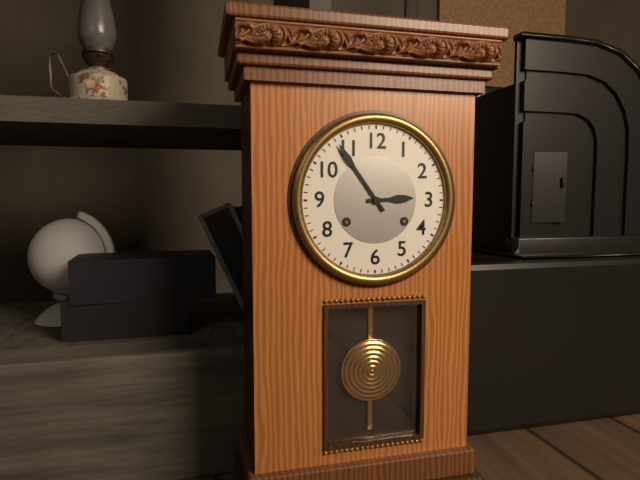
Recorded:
2 h 54 min
